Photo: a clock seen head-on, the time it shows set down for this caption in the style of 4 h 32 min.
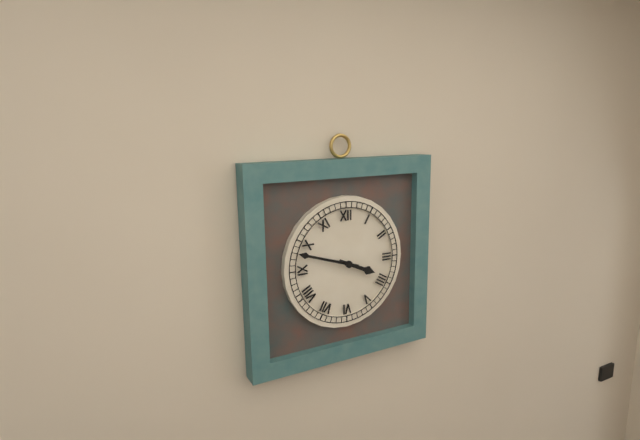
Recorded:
3 h 48 min
